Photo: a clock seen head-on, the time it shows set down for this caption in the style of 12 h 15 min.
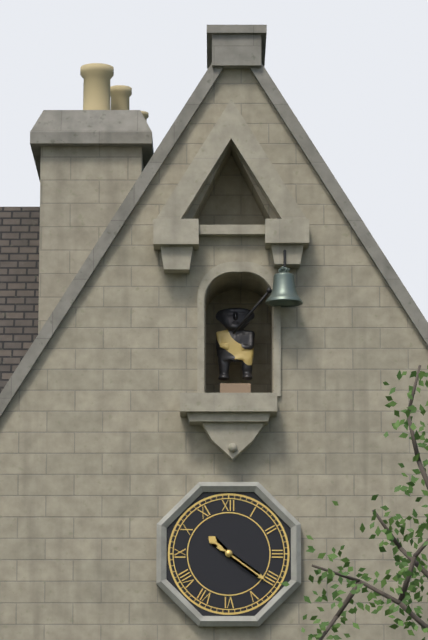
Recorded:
10 h 21 min
